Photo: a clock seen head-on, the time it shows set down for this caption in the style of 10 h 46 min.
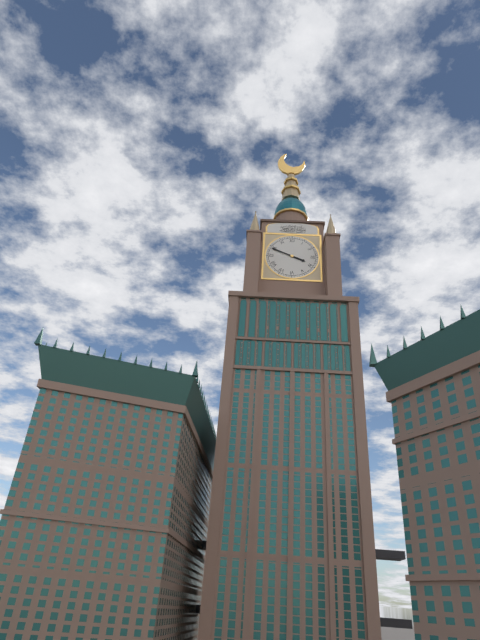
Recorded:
3 h 49 min
